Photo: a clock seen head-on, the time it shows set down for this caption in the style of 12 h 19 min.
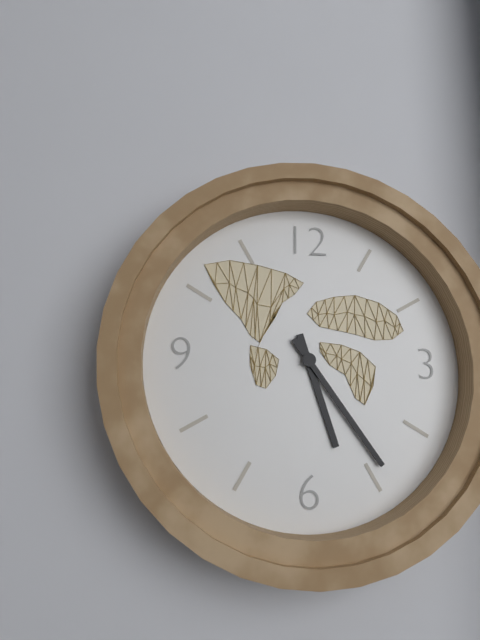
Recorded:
5 h 24 min
